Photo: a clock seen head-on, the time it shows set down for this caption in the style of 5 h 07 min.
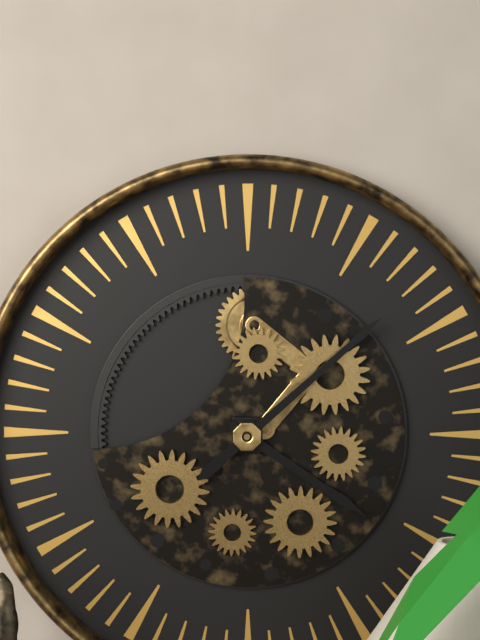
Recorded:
4 h 08 min
